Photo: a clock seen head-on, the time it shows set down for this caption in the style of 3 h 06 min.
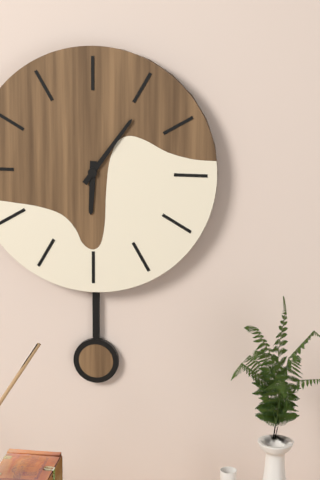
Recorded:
6 h 06 min
